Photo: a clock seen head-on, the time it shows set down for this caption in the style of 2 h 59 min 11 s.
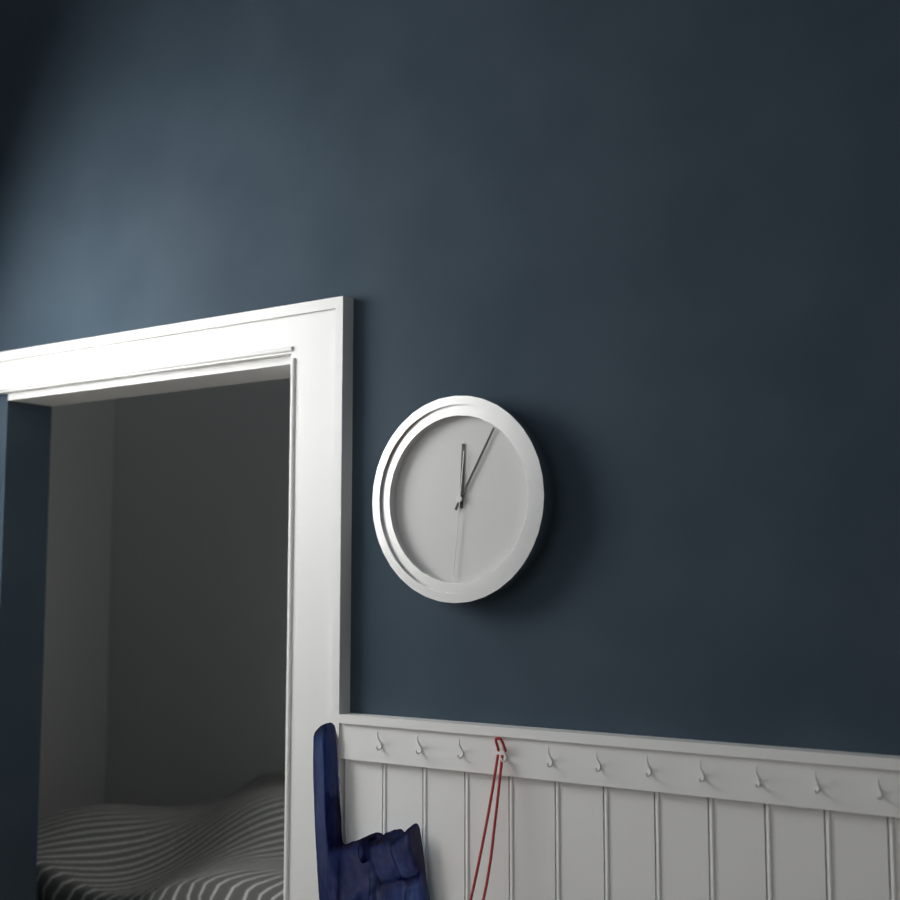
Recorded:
12 h 05 min 31 s
